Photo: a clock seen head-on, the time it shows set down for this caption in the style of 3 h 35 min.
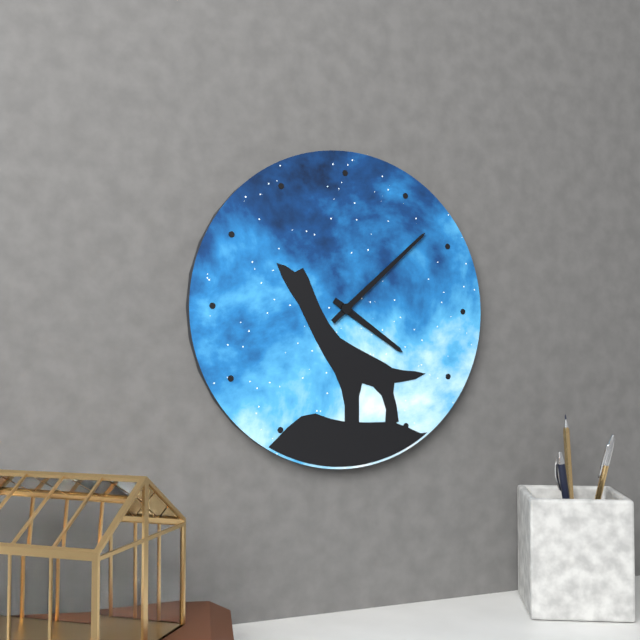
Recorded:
4 h 08 min
